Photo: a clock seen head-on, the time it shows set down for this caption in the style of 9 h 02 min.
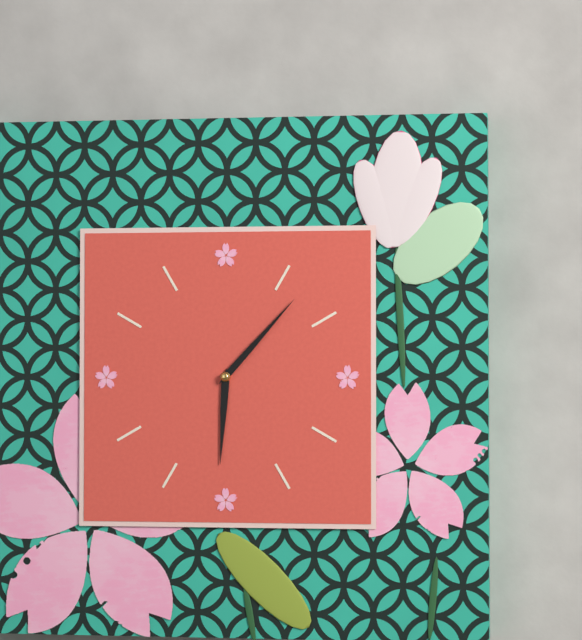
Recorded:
6 h 07 min
